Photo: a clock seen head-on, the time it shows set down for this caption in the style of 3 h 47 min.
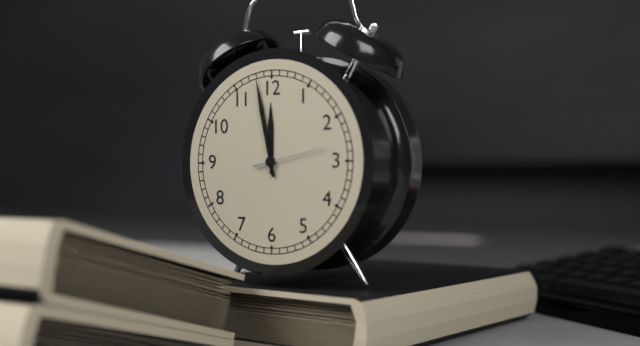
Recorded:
11 h 58 min
